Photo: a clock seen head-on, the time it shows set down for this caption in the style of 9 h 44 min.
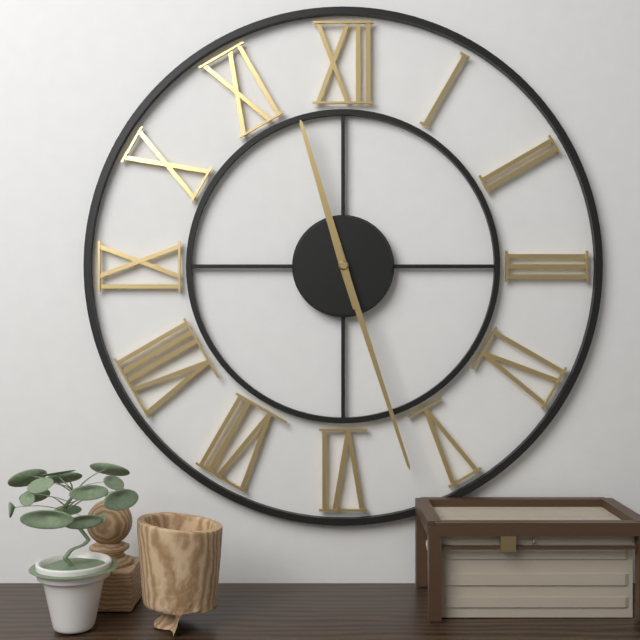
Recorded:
11 h 27 min
